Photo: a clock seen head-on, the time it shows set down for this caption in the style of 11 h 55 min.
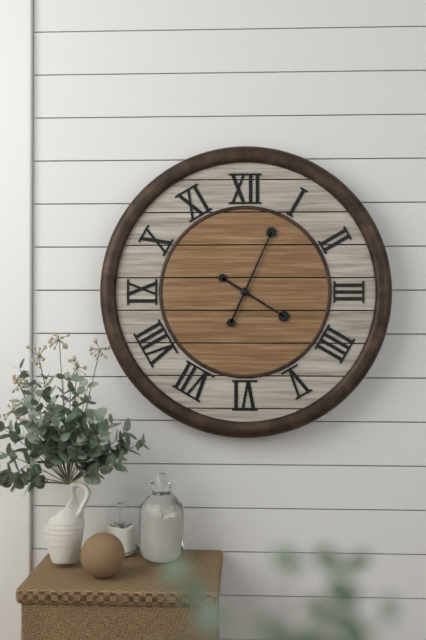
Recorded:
4 h 04 min
